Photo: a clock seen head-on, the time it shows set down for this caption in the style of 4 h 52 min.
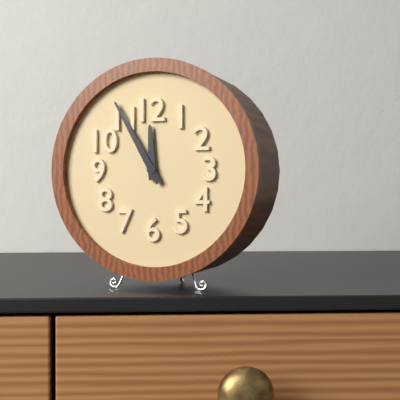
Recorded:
11 h 55 min
